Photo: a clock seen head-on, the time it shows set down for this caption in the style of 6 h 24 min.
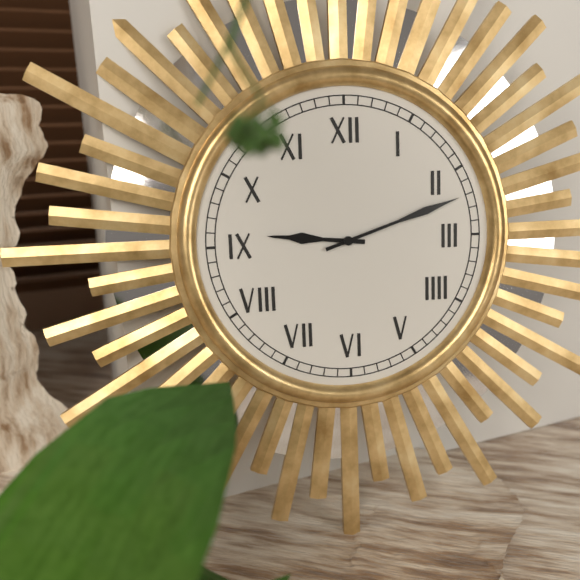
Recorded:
9 h 12 min
